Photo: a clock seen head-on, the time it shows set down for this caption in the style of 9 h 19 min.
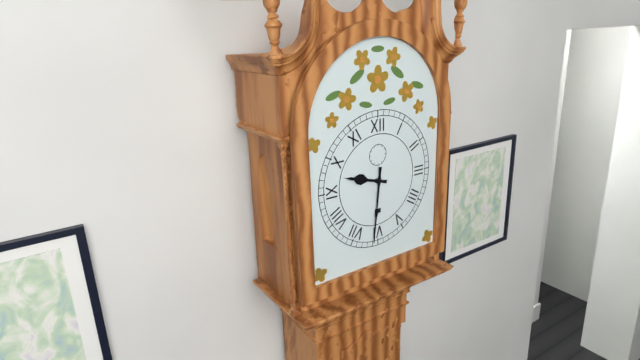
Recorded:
9 h 31 min
